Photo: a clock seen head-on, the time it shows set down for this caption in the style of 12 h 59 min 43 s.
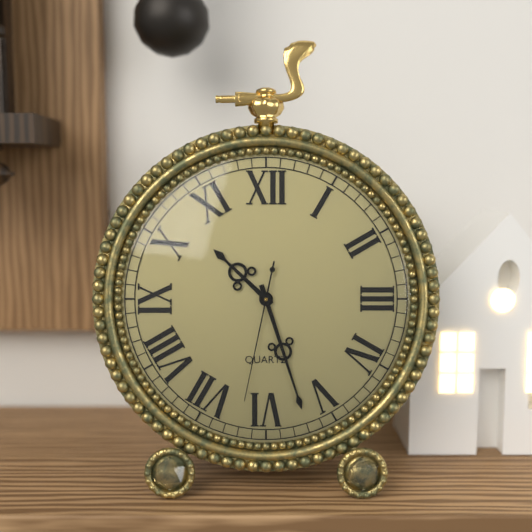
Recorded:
10 h 27 min 32 s
